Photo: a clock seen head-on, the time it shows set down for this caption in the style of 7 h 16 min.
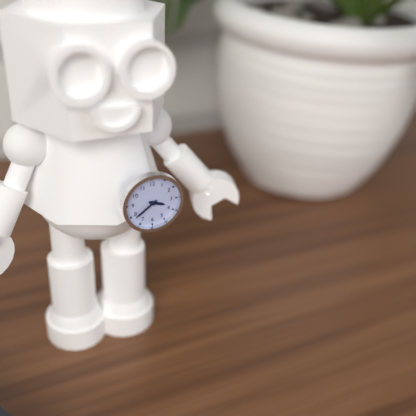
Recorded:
3 h 39 min
